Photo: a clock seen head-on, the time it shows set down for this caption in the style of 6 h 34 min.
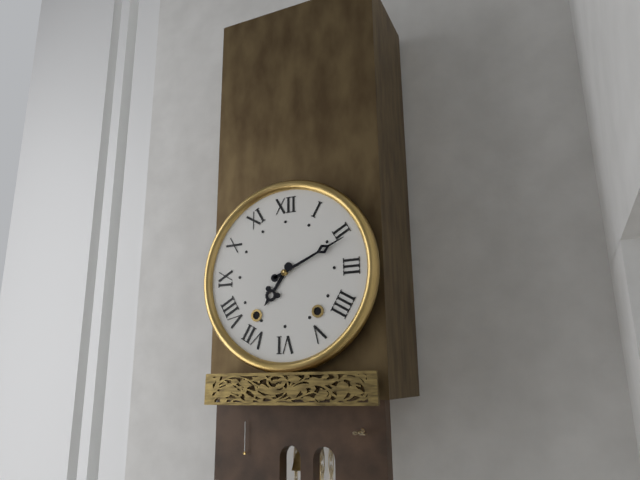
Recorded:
7 h 11 min
